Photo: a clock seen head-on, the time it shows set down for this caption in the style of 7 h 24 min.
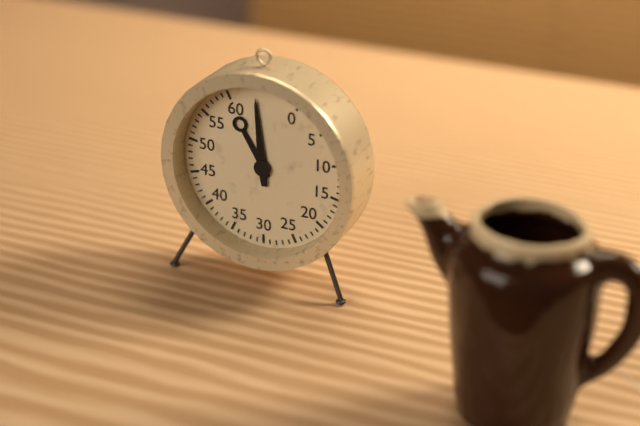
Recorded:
10 h 59 min
